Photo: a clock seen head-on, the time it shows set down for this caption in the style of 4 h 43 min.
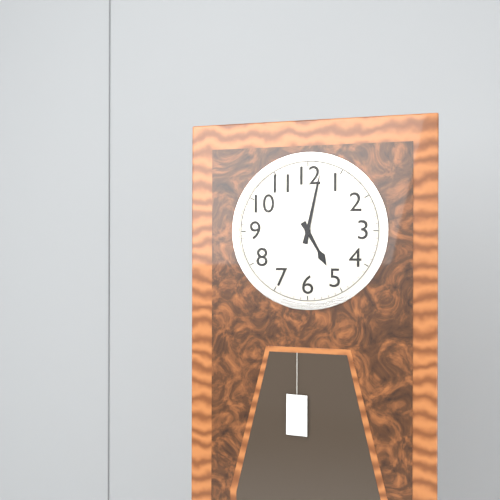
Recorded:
5 h 02 min
